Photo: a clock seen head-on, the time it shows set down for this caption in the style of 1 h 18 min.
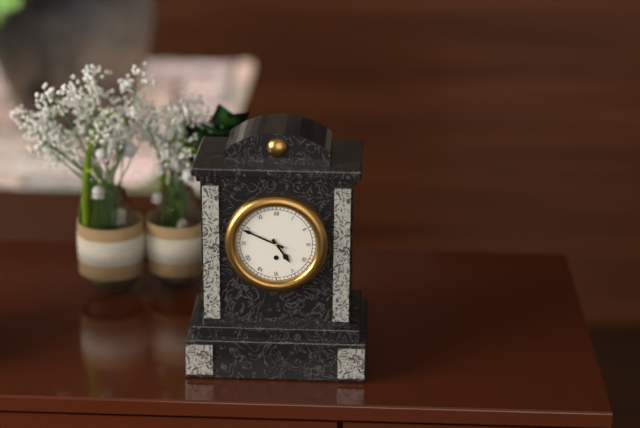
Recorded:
4 h 49 min
